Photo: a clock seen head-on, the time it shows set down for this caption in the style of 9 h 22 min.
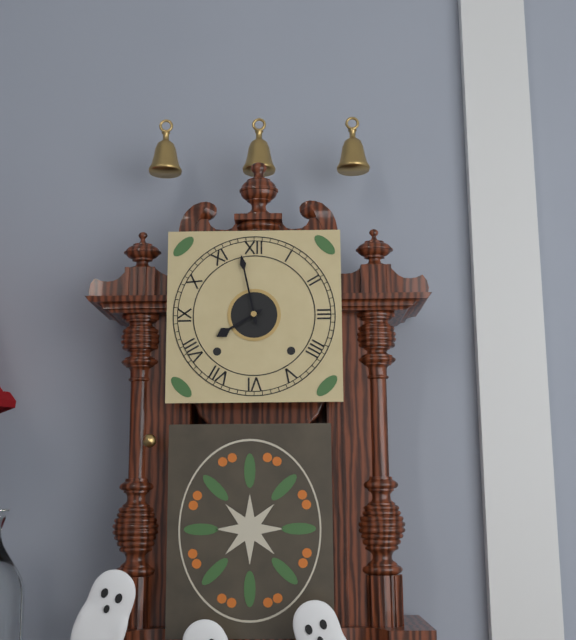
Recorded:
7 h 58 min
